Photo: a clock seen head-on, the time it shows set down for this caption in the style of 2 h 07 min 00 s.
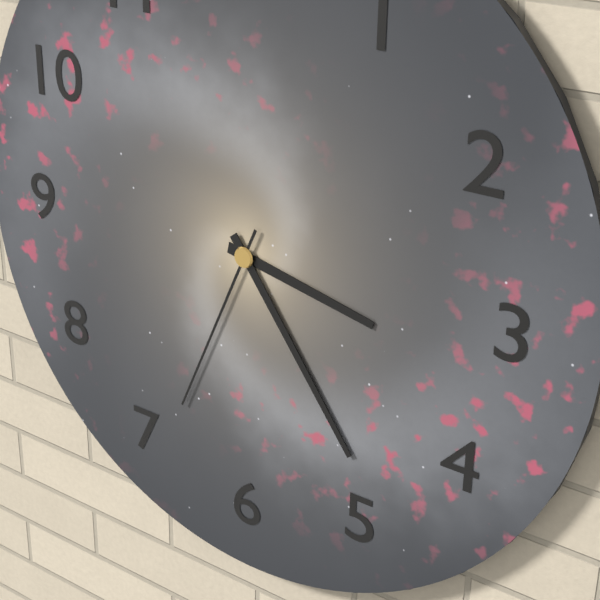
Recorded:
3 h 24 min 34 s
